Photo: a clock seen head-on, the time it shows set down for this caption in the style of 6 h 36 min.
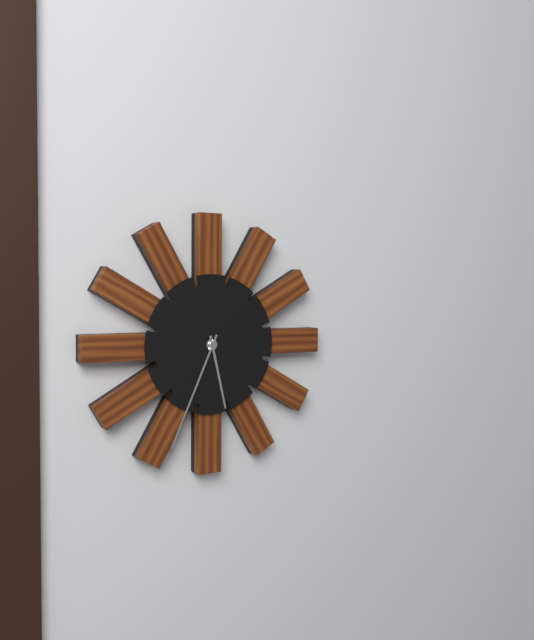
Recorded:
5 h 34 min
